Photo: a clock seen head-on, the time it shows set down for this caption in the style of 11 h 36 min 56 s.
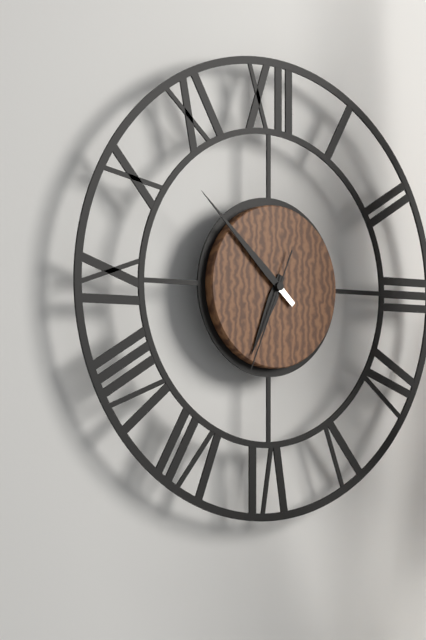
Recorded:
6 h 52 min 34 s
